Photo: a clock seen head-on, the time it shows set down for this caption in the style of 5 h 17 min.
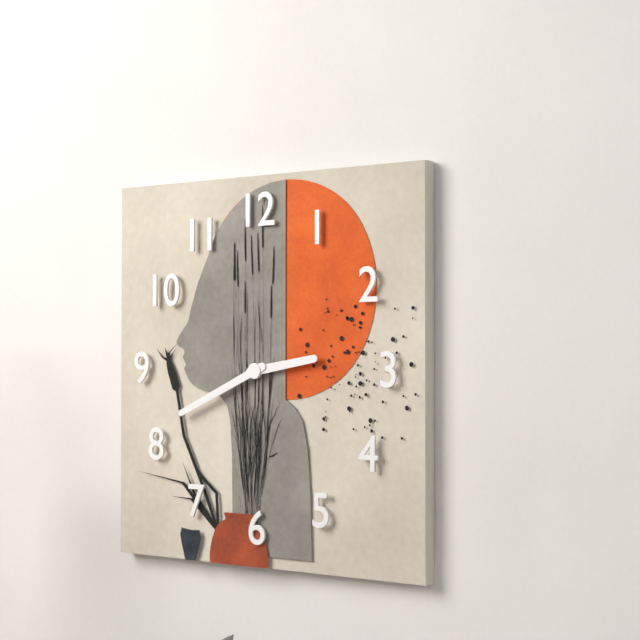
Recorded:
2 h 41 min
